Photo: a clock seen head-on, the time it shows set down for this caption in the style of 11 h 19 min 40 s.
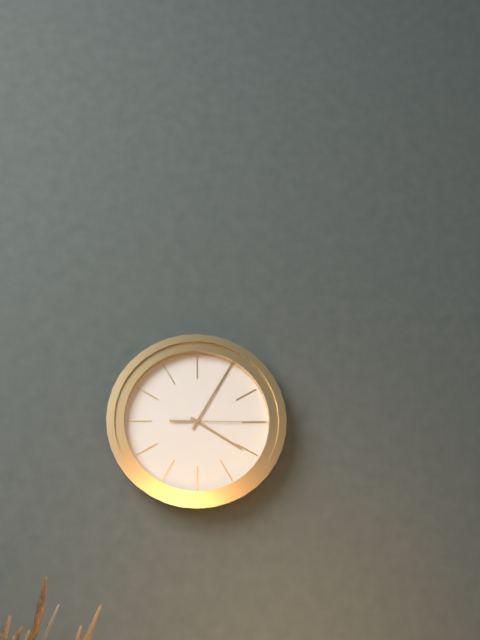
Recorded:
4 h 05 min 15 s
